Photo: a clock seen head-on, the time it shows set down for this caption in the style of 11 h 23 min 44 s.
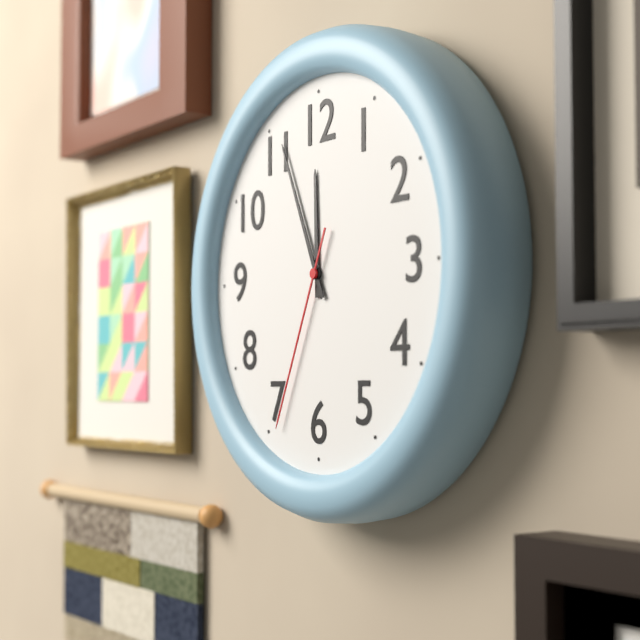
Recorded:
11 h 56 min 34 s
